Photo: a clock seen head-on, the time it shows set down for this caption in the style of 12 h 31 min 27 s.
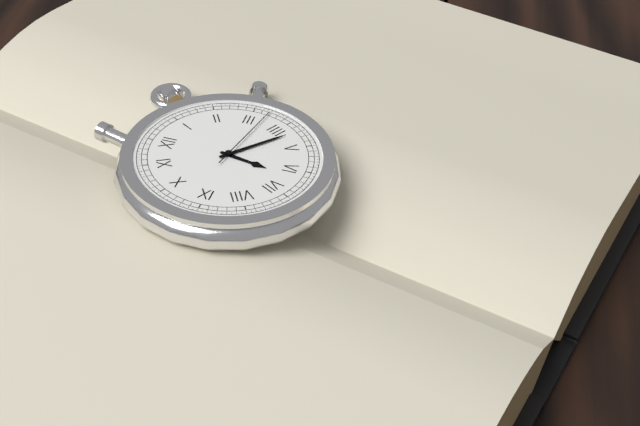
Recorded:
6 h 22 min 17 s
